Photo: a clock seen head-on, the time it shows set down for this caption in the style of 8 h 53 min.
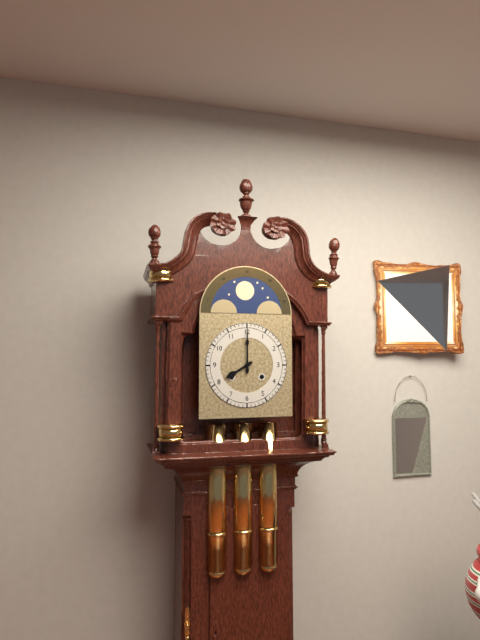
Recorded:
8 h 00 min
